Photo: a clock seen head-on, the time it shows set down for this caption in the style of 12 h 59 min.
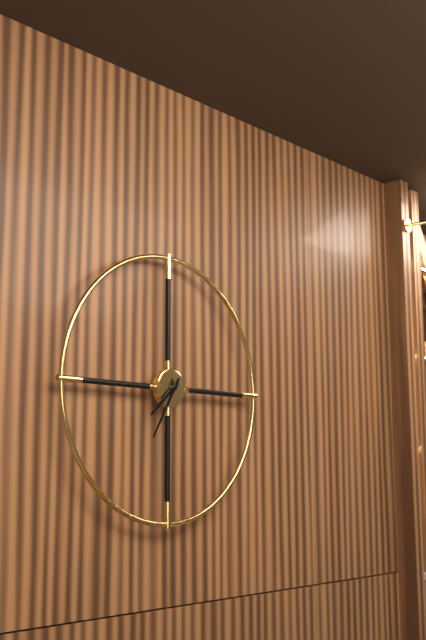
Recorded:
7 h 35 min
